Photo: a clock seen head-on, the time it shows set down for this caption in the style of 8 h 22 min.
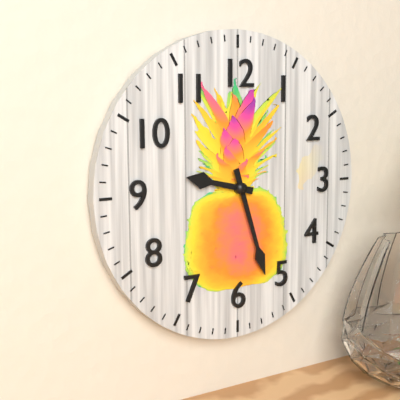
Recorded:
9 h 27 min
